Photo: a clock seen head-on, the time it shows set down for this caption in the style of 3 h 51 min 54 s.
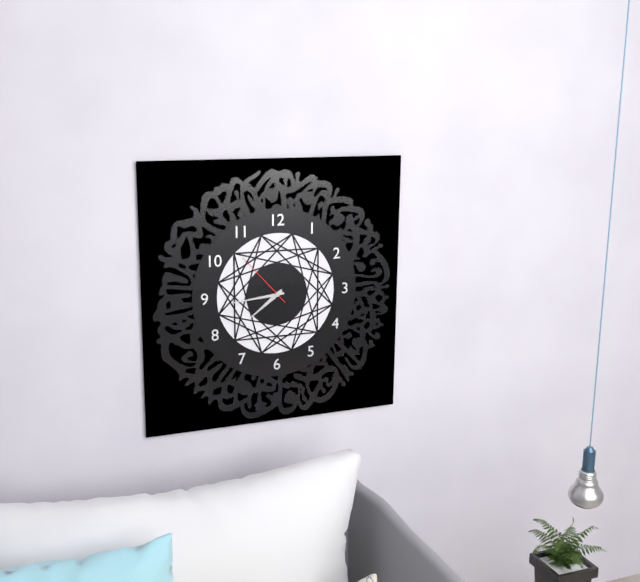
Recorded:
7 h 44 min 53 s
